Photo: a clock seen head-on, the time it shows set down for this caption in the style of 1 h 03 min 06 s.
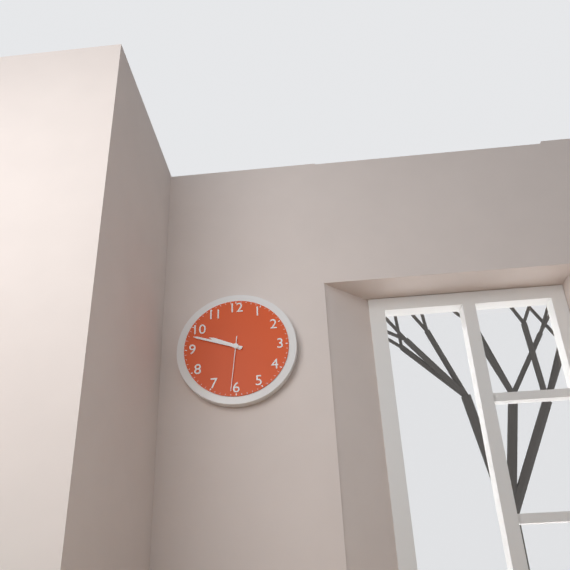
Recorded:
9 h 48 min 31 s
